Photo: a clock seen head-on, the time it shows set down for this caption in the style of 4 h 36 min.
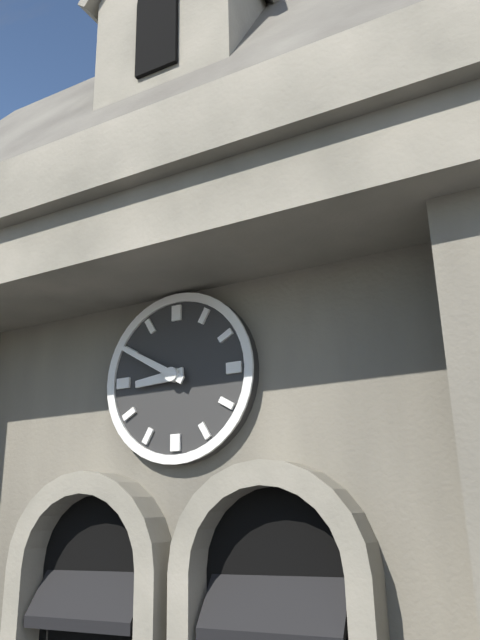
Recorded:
8 h 50 min
